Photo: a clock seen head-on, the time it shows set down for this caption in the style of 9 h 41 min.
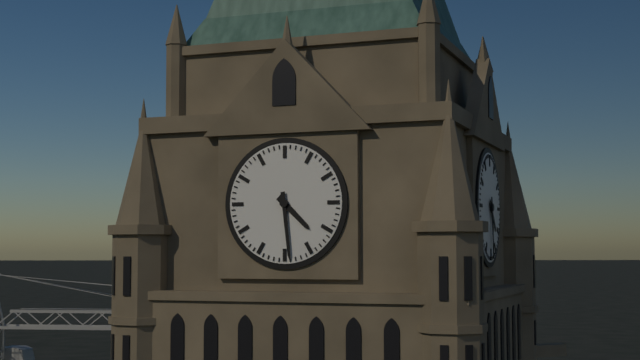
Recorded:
4 h 29 min
